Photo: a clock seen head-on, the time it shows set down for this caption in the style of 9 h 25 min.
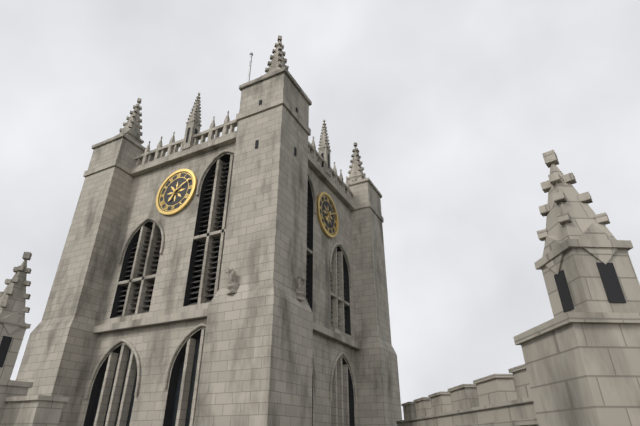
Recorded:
7 h 10 min
